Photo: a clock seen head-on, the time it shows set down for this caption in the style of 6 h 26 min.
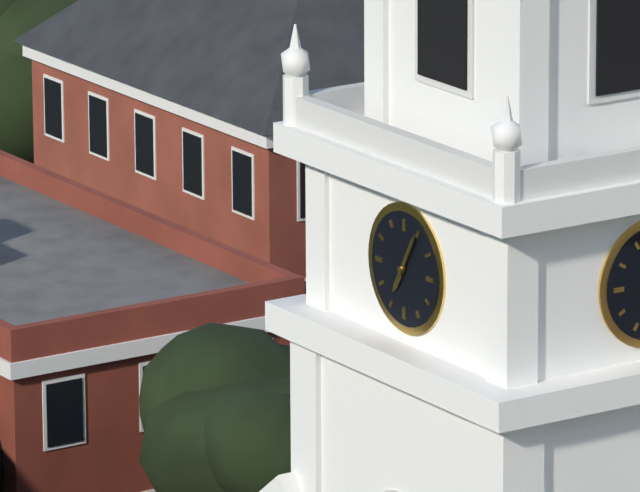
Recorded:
7 h 05 min
